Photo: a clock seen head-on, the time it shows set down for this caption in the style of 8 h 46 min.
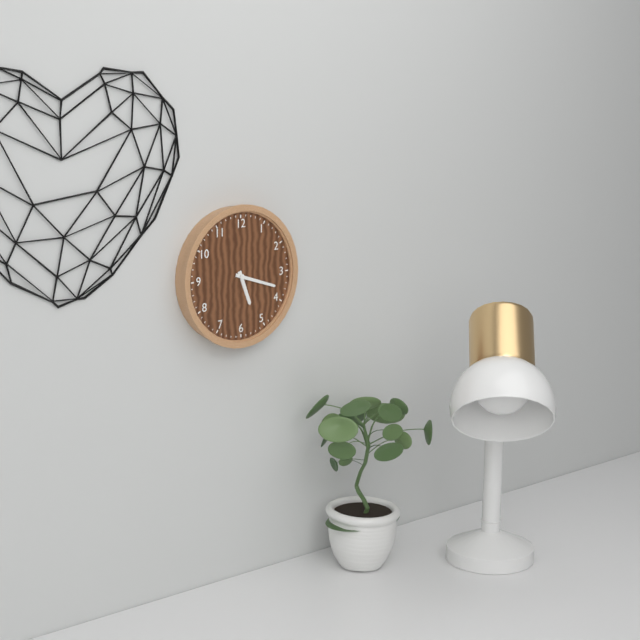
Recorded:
5 h 18 min
